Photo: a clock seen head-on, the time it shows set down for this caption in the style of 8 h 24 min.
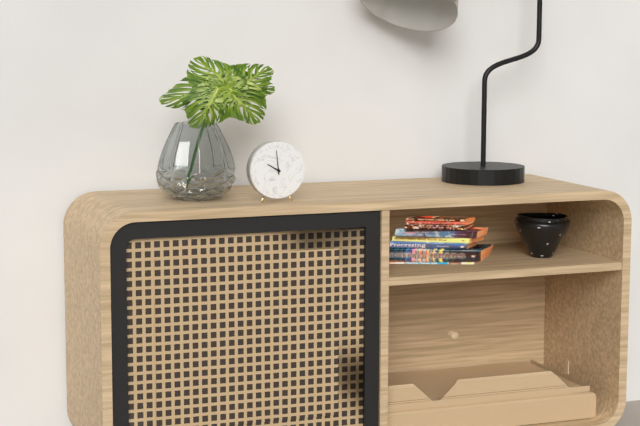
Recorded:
9 h 59 min
